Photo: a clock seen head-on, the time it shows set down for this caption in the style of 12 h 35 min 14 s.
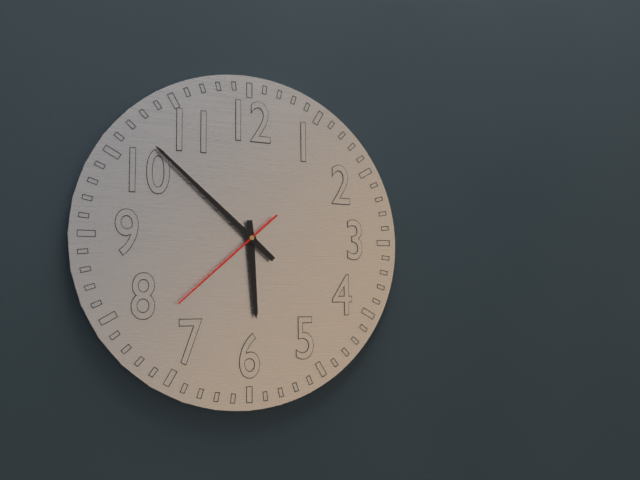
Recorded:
5 h 52 min 38 s
